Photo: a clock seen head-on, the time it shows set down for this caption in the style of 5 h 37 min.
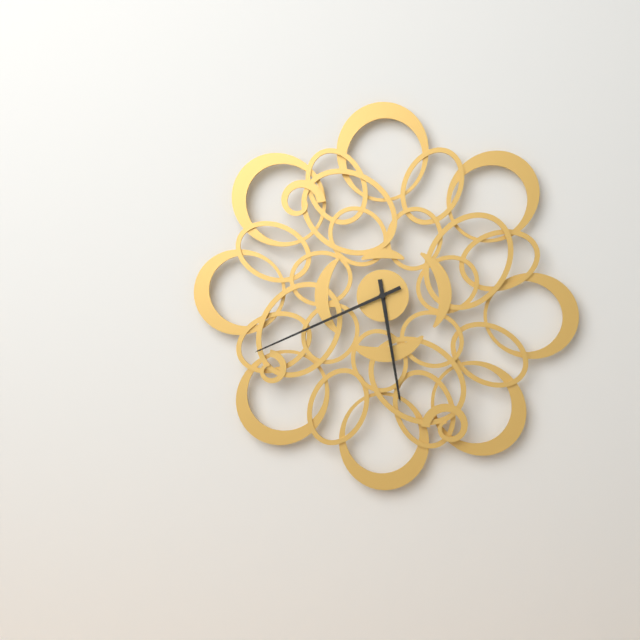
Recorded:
5 h 41 min
